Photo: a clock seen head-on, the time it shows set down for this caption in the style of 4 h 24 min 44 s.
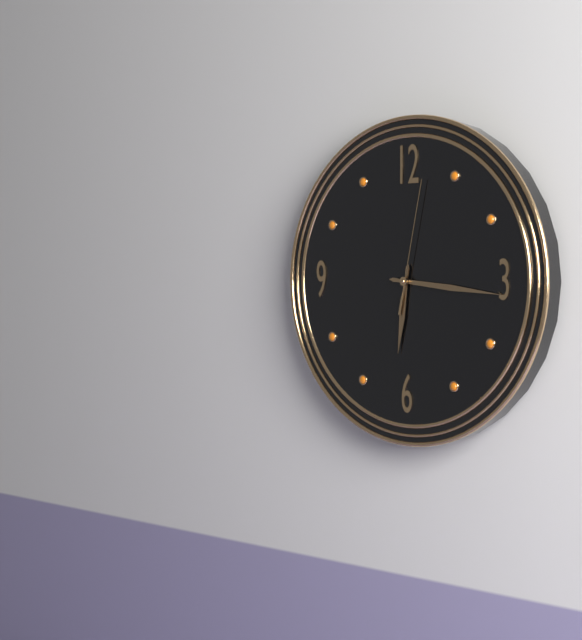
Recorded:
6 h 16 min 02 s
